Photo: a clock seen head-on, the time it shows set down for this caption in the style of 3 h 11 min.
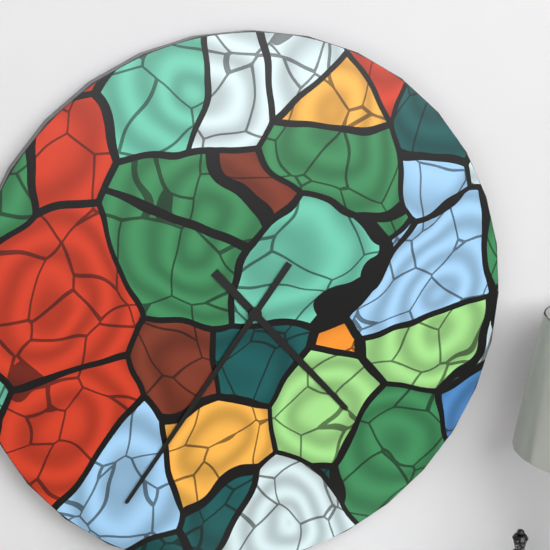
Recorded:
4 h 36 min
